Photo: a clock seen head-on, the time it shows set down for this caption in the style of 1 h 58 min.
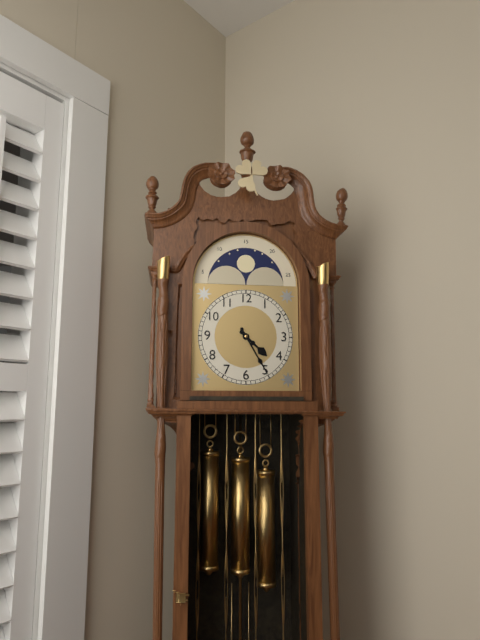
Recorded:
4 h 25 min
